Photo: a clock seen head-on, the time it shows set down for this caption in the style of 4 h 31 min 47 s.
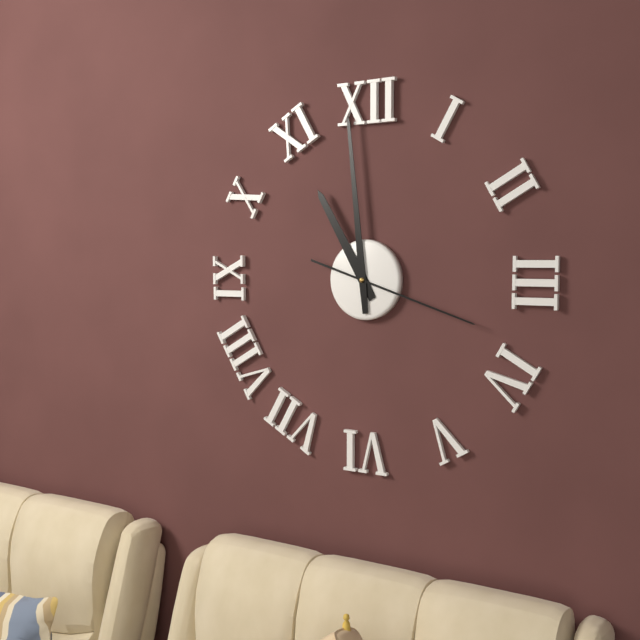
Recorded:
10 h 59 min 18 s
